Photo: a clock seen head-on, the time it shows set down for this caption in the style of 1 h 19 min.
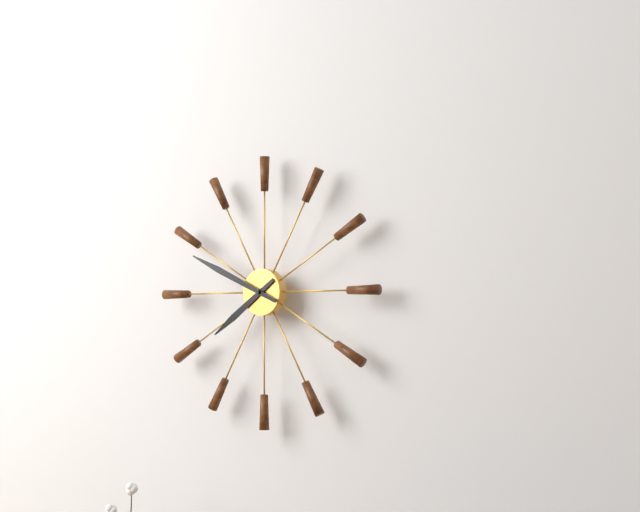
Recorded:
7 h 49 min
